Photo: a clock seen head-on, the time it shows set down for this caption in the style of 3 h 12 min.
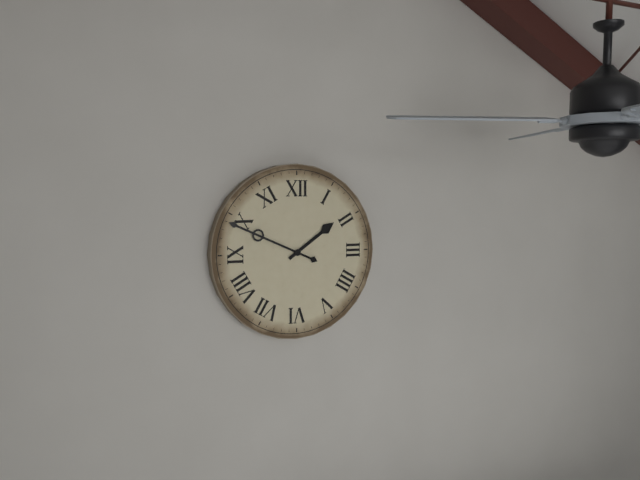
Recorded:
1 h 49 min
